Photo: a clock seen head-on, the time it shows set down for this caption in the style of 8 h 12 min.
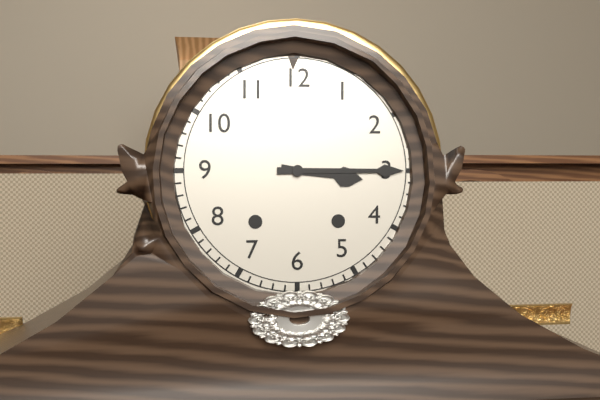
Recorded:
3 h 15 min
